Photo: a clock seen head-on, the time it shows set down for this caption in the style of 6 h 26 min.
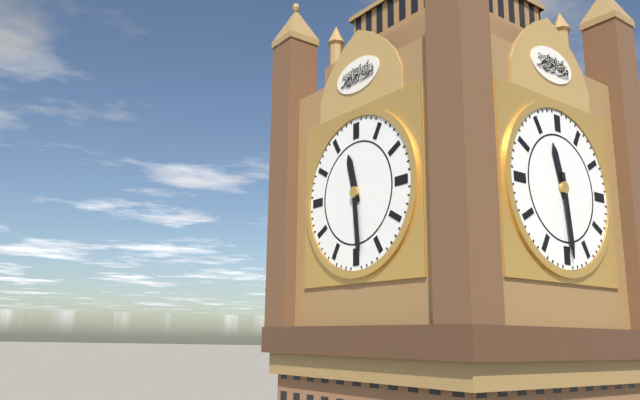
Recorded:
11 h 29 min
